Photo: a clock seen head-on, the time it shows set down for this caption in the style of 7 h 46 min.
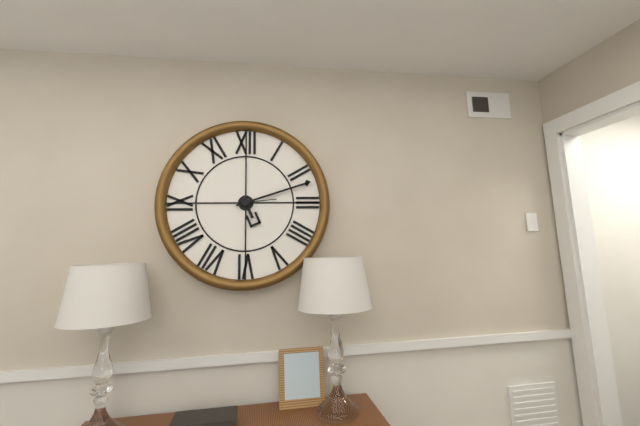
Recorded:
5 h 12 min
